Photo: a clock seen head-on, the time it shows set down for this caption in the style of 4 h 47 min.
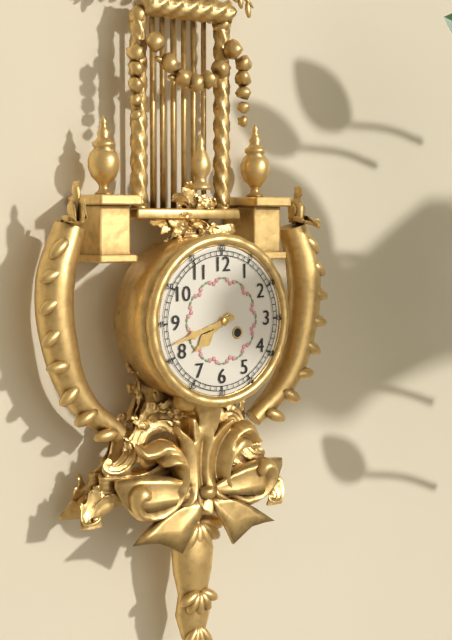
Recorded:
7 h 42 min
